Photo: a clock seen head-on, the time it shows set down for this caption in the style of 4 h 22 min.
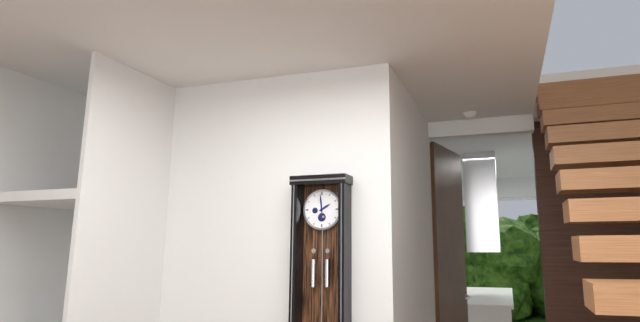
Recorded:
1 h 59 min
